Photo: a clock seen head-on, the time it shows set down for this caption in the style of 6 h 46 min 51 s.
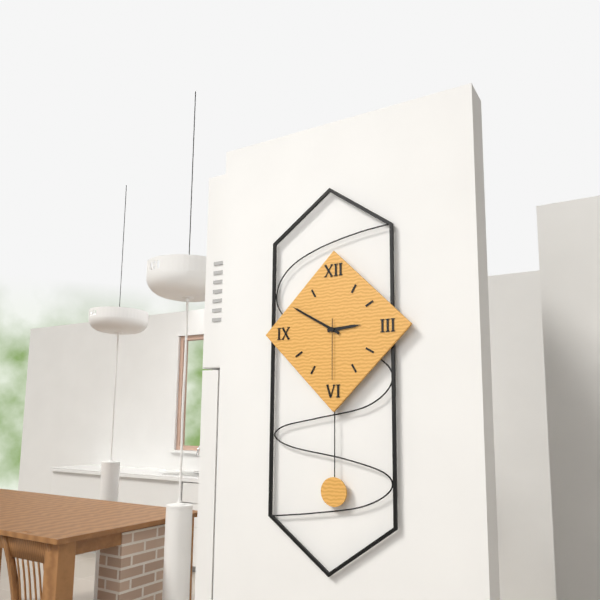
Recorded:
2 h 50 min 30 s
